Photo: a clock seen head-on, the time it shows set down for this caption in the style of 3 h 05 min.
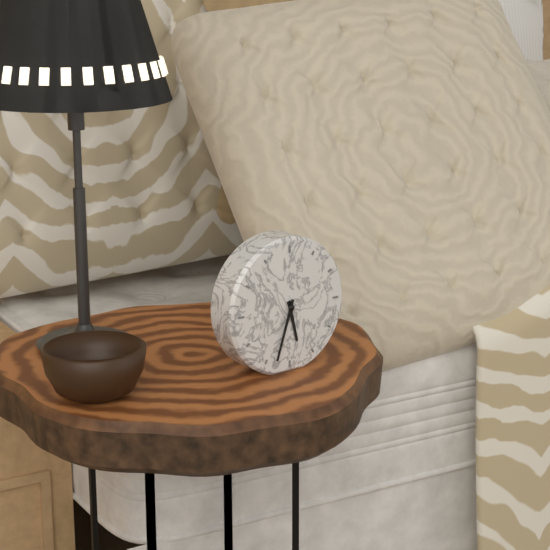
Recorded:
5 h 33 min
